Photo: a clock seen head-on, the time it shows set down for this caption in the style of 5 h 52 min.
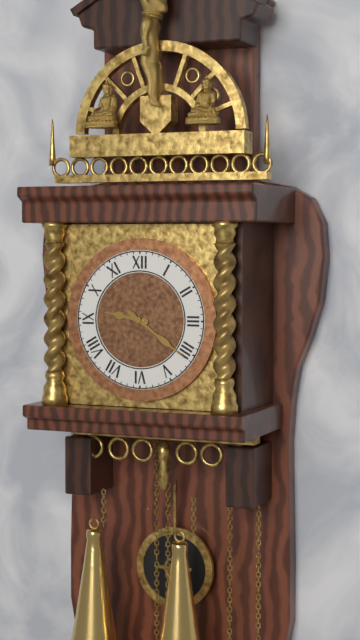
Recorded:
9 h 21 min
